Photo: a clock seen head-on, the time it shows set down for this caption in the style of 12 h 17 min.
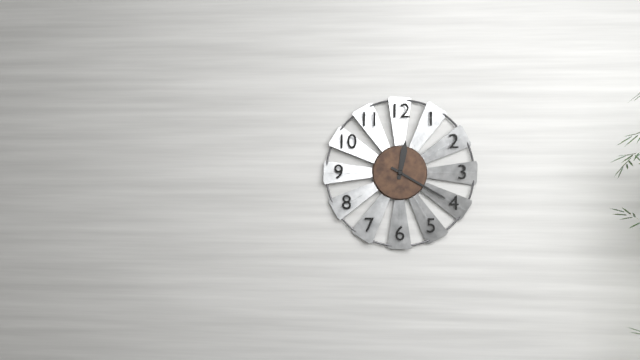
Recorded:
12 h 20 min
